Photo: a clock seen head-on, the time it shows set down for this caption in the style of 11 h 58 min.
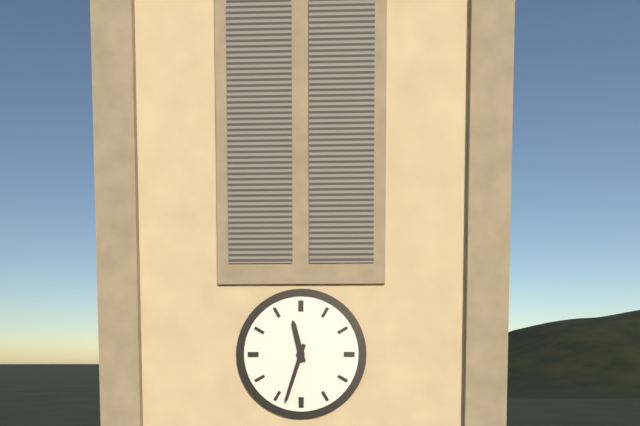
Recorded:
11 h 33 min
